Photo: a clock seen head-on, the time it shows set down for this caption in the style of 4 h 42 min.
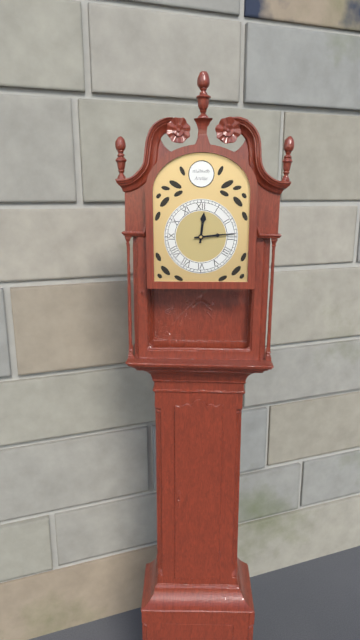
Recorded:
12 h 14 min
